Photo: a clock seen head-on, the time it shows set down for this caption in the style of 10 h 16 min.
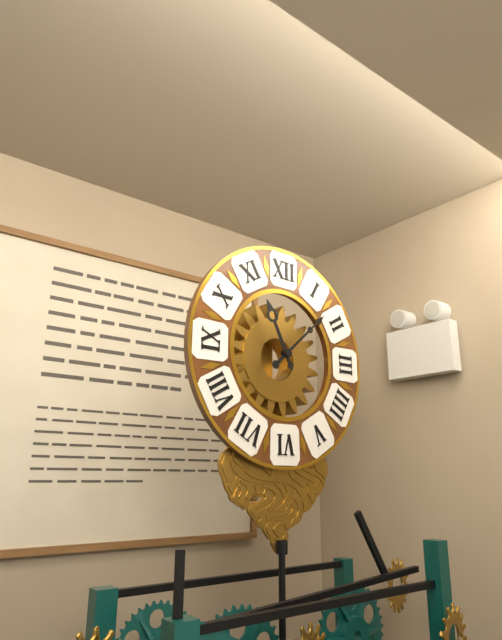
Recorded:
11 h 08 min
